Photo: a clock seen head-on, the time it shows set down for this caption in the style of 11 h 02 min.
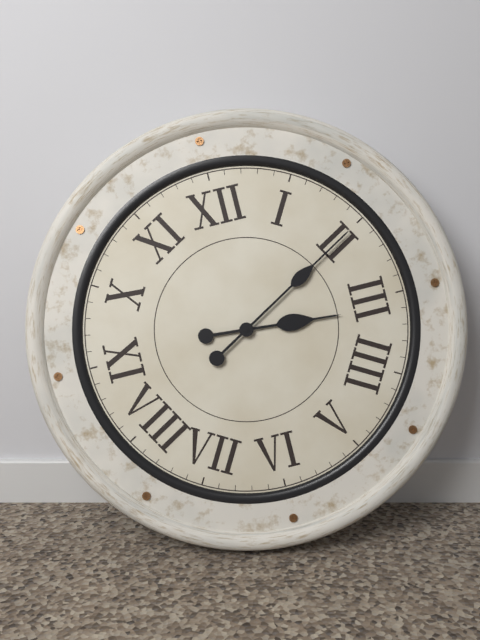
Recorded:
3 h 10 min
